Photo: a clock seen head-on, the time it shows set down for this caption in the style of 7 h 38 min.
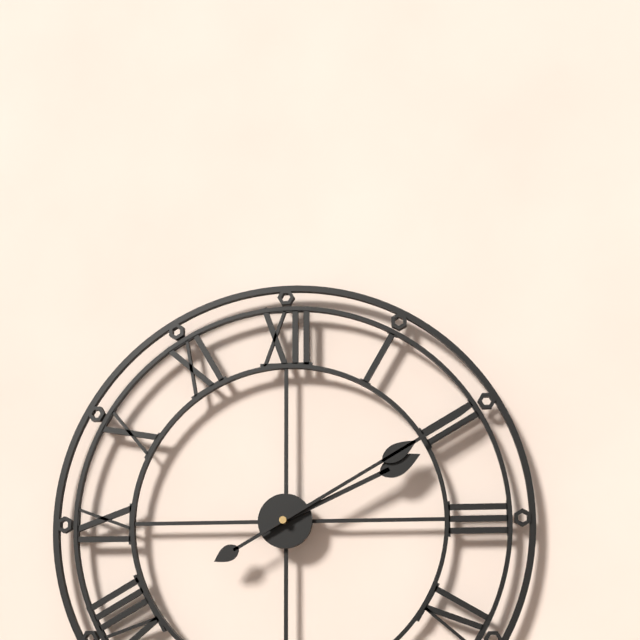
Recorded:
2 h 10 min
